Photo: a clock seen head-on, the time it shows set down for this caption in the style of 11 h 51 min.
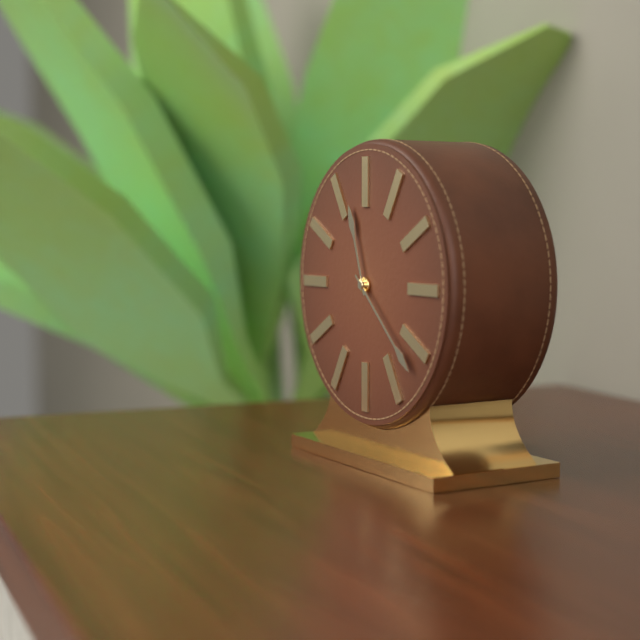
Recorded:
11 h 22 min
